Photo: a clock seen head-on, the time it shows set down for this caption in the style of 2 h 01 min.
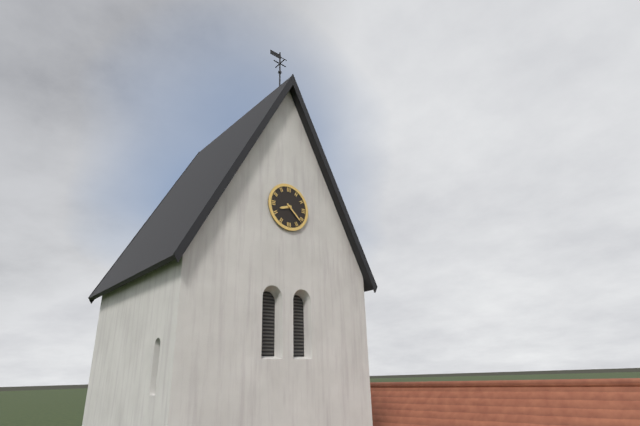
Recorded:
8 h 22 min
